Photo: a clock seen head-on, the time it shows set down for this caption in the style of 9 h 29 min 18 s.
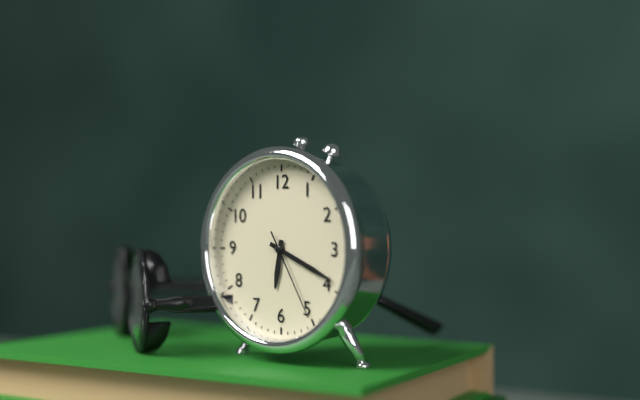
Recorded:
6 h 19 min 25 s
